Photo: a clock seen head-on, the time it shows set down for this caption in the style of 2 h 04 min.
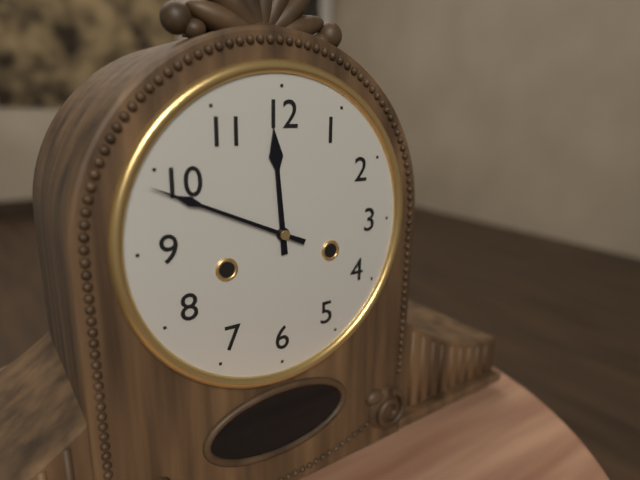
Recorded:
11 h 49 min
